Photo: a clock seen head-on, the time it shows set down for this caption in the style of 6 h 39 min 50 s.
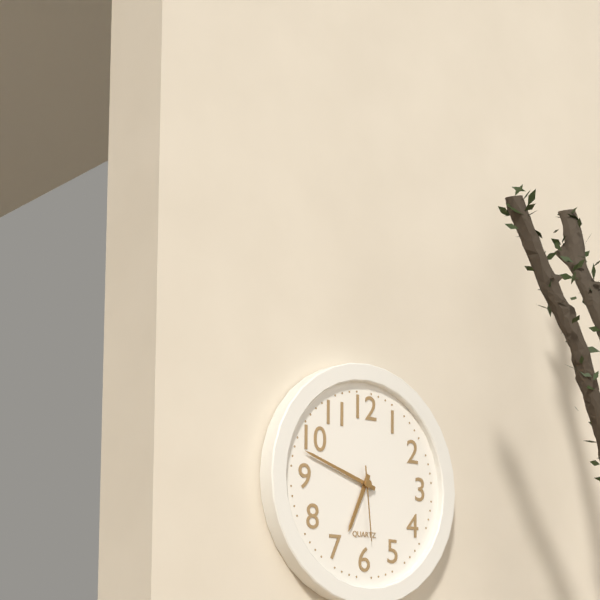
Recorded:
6 h 48 min 29 s
